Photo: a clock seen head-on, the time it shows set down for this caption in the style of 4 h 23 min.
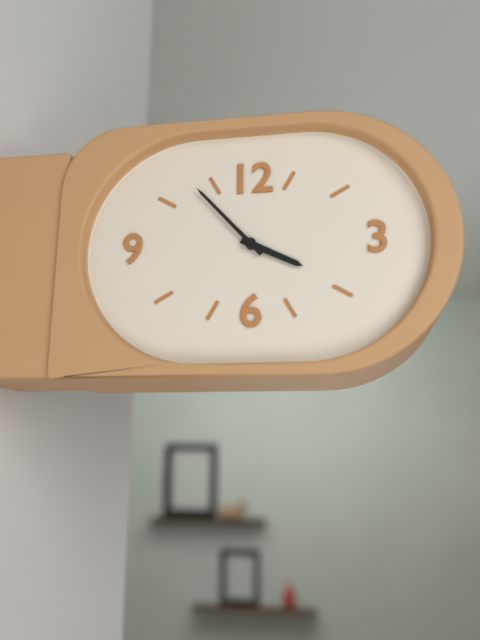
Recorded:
3 h 53 min
